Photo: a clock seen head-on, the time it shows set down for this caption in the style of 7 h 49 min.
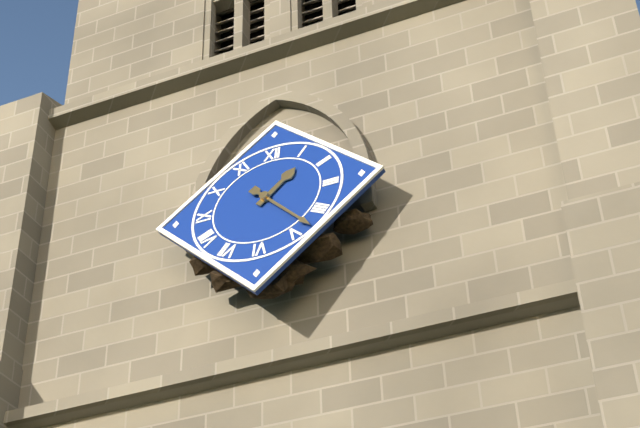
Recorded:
1 h 23 min
